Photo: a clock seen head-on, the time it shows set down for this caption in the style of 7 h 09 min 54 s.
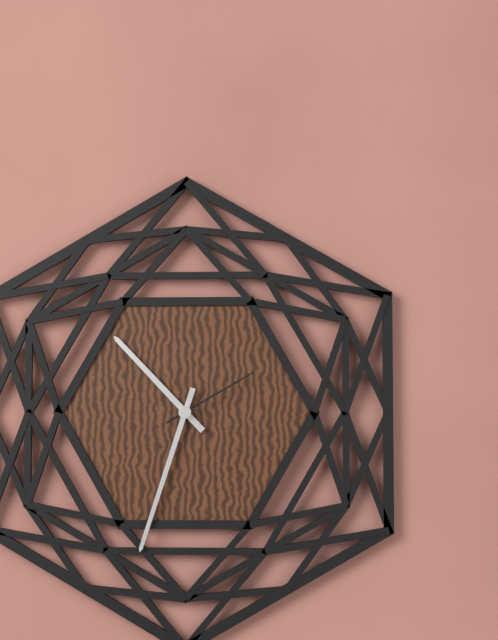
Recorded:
10 h 33 min 10 s
